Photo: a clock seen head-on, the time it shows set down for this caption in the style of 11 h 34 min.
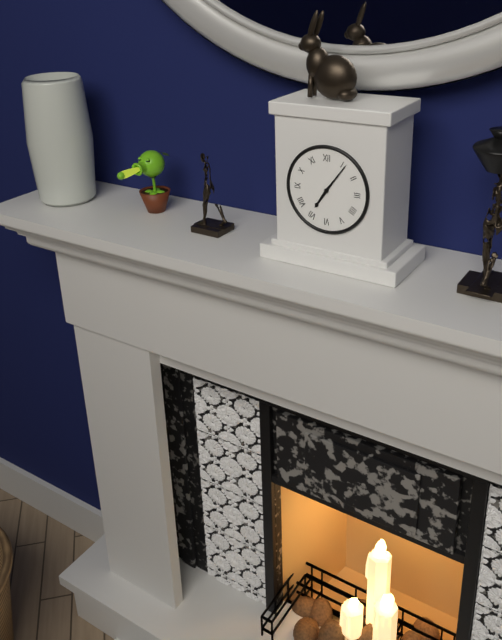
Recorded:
7 h 06 min
